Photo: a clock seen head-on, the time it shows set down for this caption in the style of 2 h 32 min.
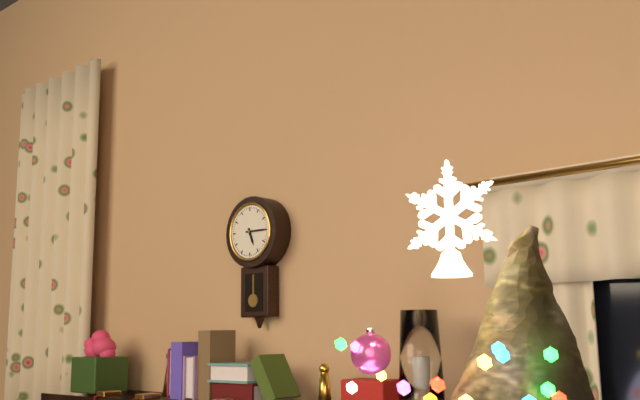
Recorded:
5 h 15 min
